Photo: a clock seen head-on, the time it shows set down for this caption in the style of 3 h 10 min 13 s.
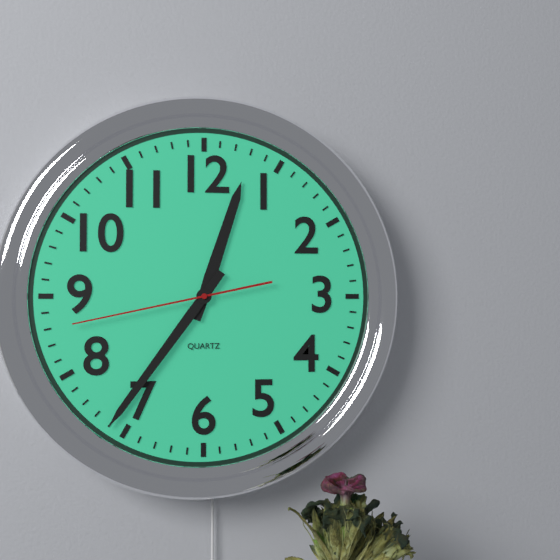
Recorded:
12 h 36 min 43 s
